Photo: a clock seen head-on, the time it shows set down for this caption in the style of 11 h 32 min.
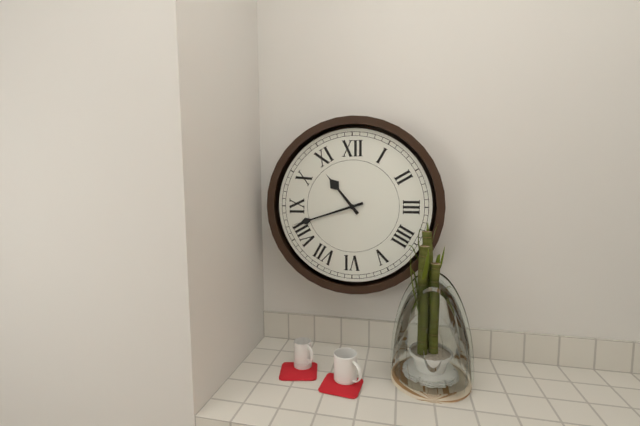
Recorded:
10 h 42 min
